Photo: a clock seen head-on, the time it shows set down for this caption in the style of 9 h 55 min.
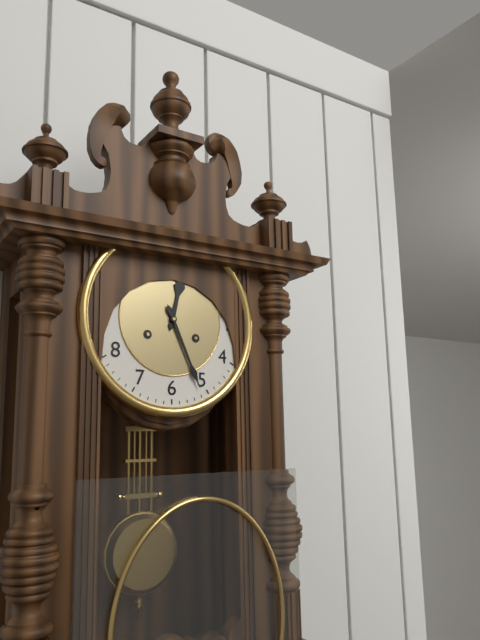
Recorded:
12 h 26 min
